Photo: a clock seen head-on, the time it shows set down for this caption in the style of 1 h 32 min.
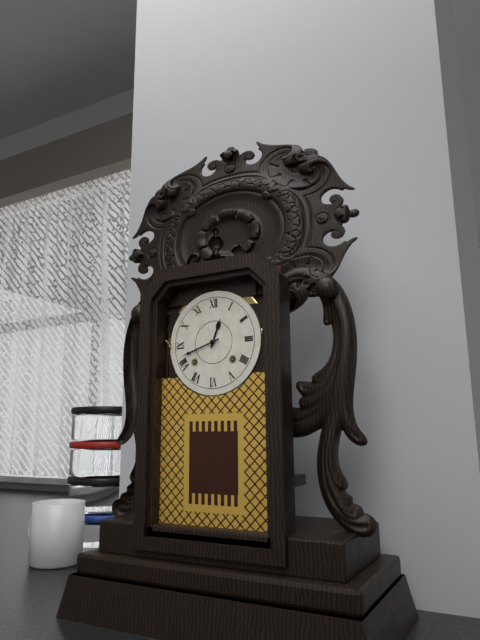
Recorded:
12 h 42 min
